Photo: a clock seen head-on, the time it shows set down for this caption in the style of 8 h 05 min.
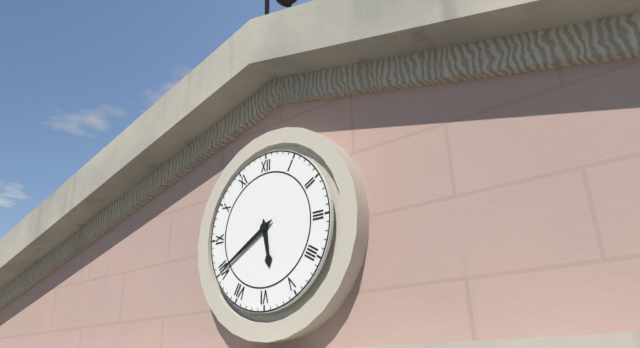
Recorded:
5 h 40 min
